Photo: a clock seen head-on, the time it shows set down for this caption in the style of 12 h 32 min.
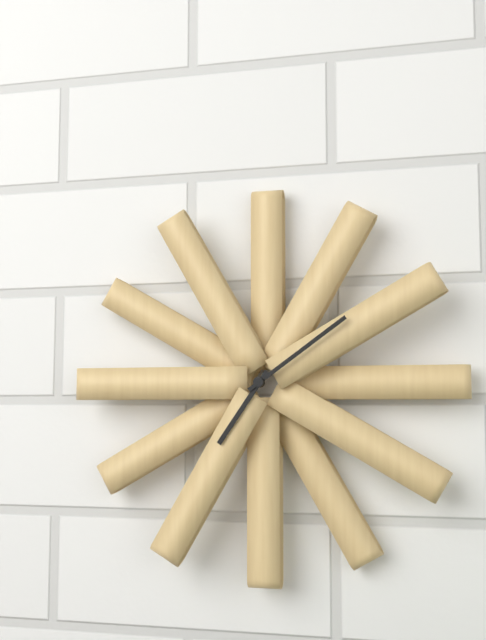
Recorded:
7 h 09 min
